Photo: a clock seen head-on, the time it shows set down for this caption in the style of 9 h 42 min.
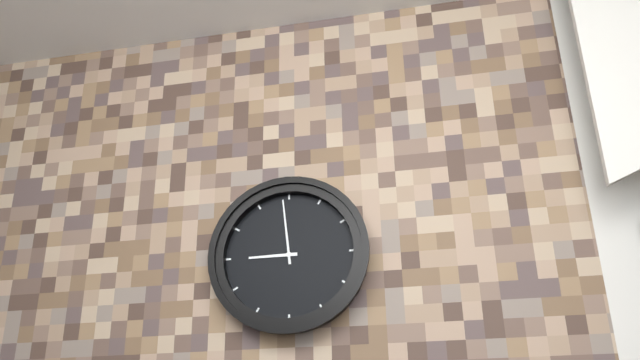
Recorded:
8 h 59 min
